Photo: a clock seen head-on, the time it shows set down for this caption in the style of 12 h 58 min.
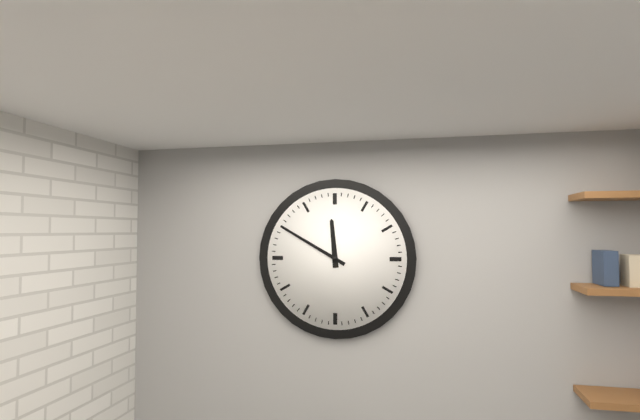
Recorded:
11 h 50 min
